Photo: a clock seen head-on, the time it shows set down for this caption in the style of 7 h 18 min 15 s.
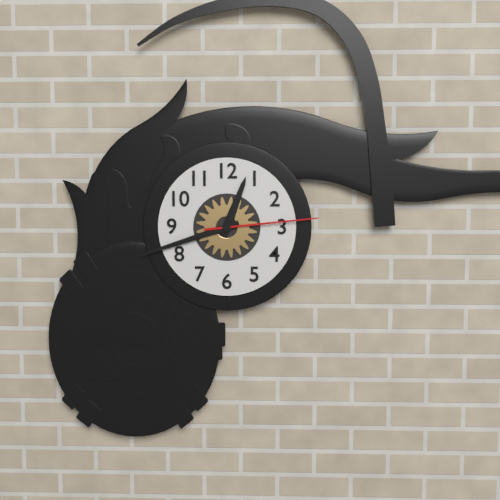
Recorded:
12 h 42 min 14 s
